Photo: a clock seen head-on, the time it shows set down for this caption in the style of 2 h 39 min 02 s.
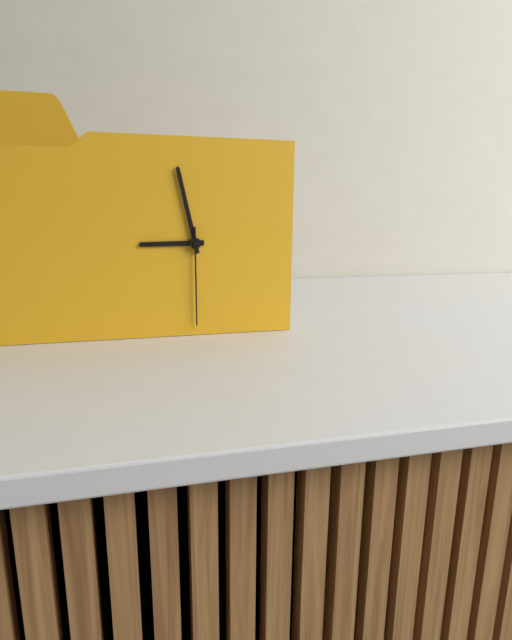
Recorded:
8 h 58 min 30 s
